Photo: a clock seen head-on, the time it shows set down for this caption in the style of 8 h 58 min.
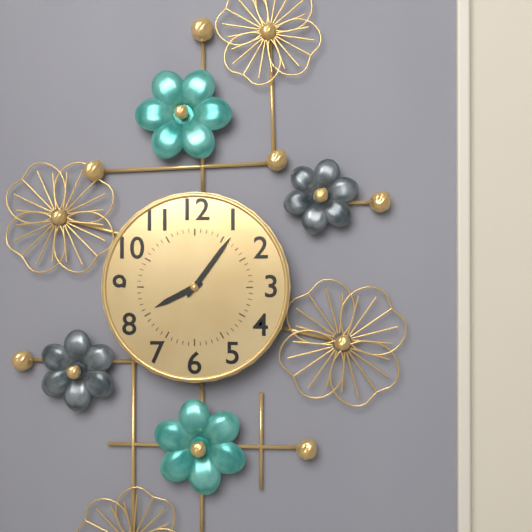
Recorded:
8 h 06 min
